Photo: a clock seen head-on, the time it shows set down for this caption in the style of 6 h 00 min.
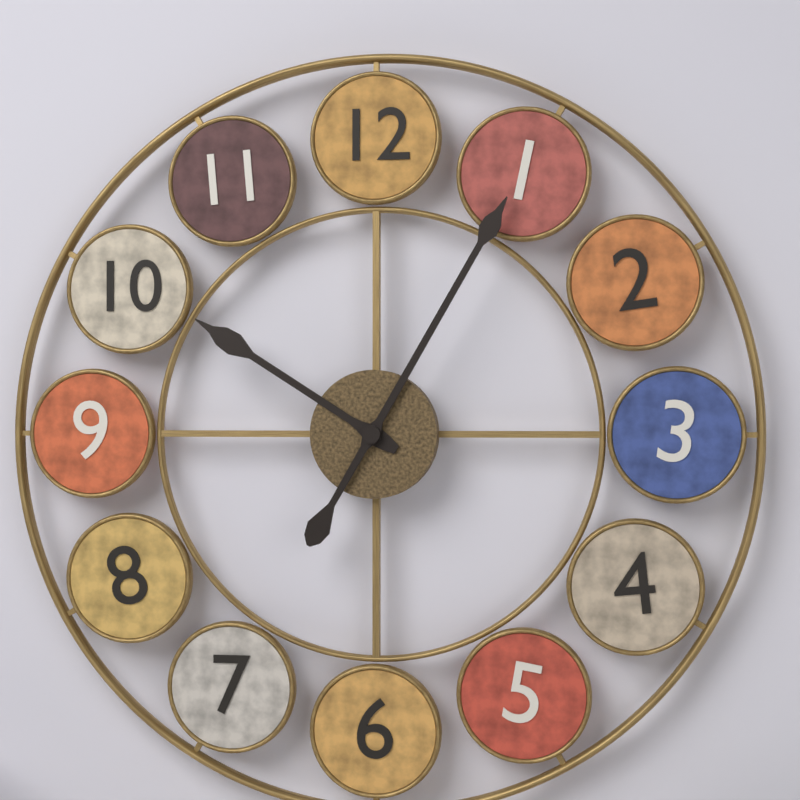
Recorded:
10 h 05 min
